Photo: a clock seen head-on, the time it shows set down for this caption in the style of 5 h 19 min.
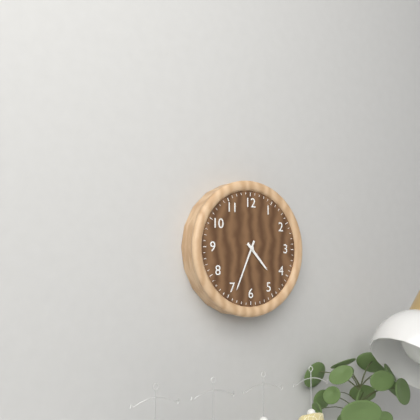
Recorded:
4 h 34 min
